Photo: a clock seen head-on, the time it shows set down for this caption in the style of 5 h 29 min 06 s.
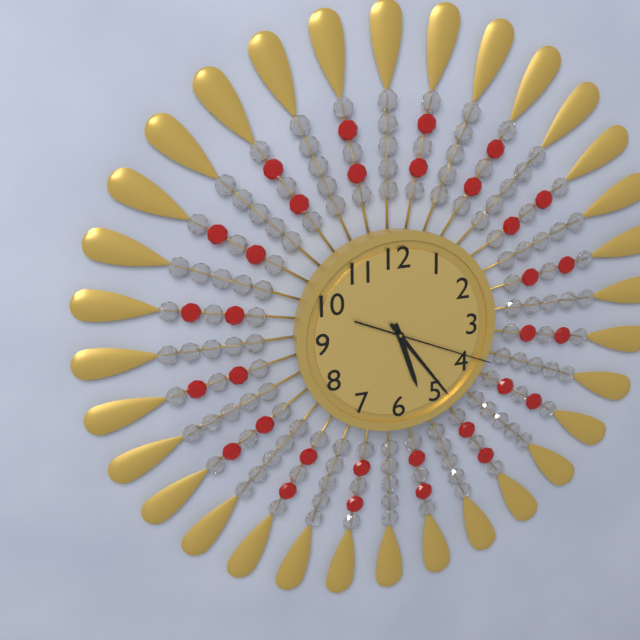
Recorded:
5 h 24 min 19 s
